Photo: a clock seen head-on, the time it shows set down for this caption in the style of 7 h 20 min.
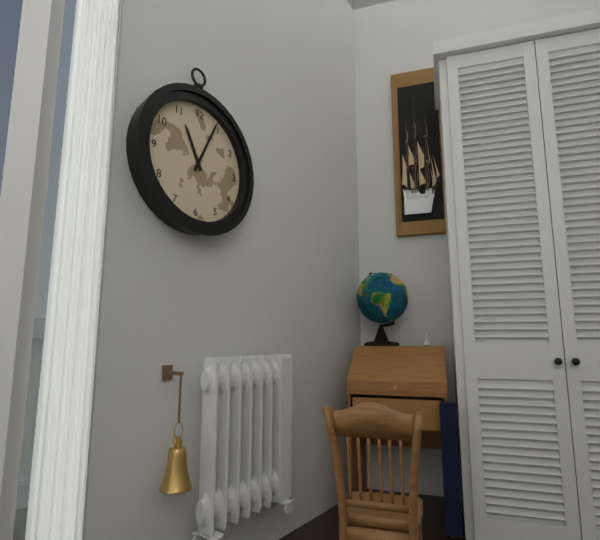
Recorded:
11 h 04 min
